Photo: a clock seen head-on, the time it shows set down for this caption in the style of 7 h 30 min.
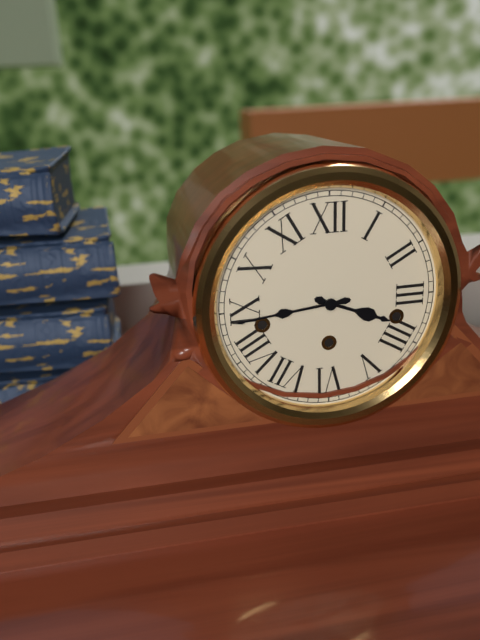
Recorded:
3 h 44 min
